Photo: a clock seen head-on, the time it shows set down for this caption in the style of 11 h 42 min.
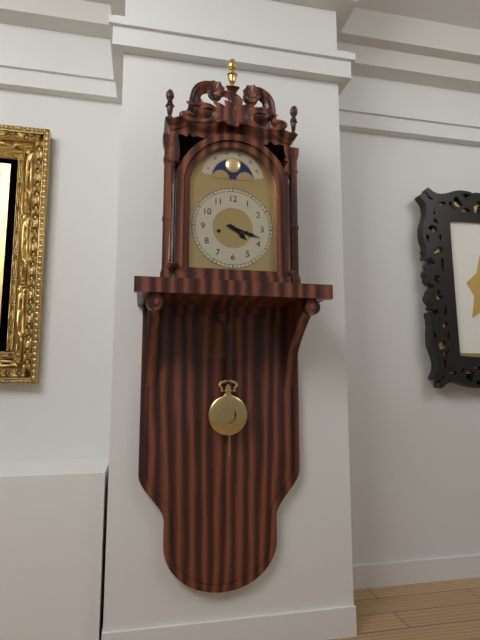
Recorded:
4 h 18 min
